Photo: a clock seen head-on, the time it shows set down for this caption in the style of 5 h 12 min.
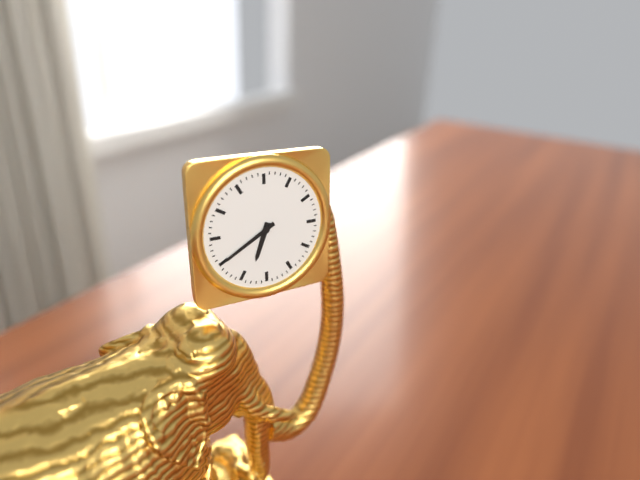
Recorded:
6 h 40 min
